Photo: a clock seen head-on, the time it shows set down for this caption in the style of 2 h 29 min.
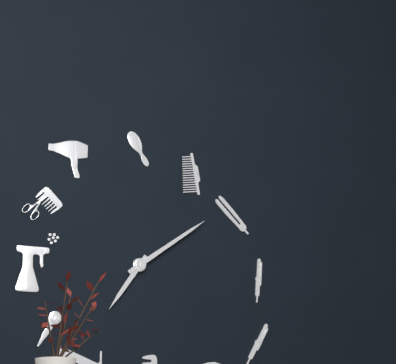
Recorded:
7 h 09 min
